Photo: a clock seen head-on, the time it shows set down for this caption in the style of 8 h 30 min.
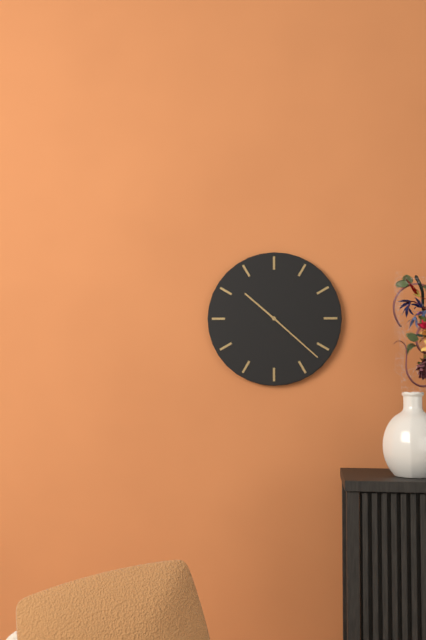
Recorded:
10 h 22 min
